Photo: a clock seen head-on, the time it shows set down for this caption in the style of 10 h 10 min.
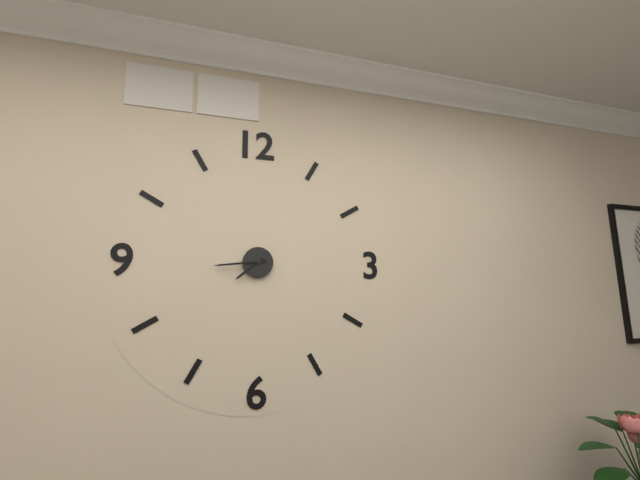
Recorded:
7 h 44 min
